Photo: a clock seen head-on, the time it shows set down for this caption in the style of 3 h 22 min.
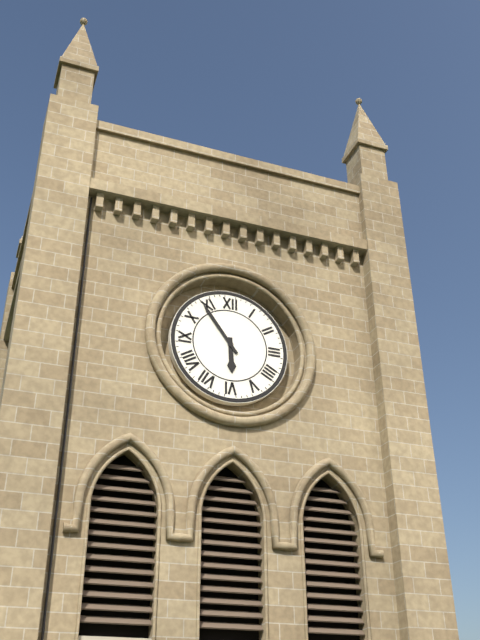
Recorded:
5 h 54 min
